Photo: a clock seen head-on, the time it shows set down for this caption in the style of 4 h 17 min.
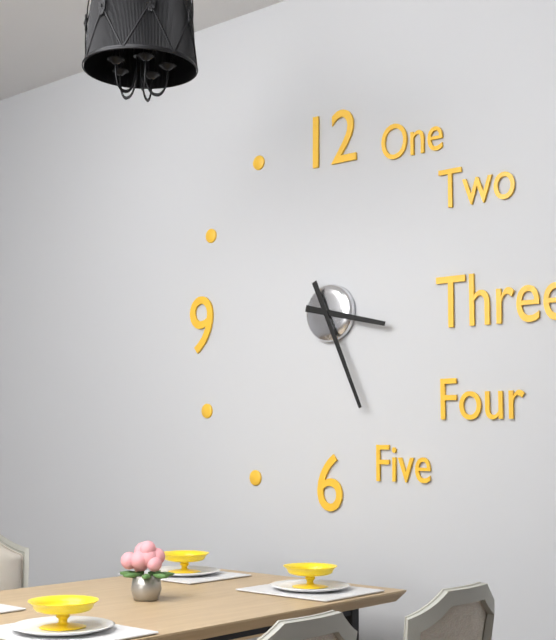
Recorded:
3 h 26 min
